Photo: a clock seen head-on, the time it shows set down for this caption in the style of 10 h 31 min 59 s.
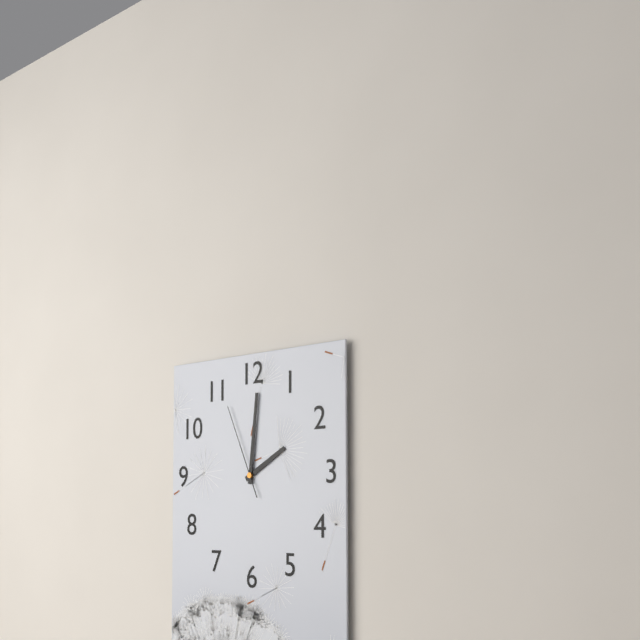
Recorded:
2 h 01 min 56 s
